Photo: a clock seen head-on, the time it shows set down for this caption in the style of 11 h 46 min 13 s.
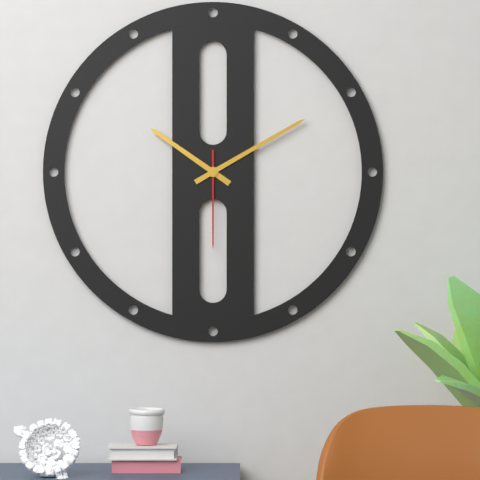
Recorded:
10 h 10 min 30 s
